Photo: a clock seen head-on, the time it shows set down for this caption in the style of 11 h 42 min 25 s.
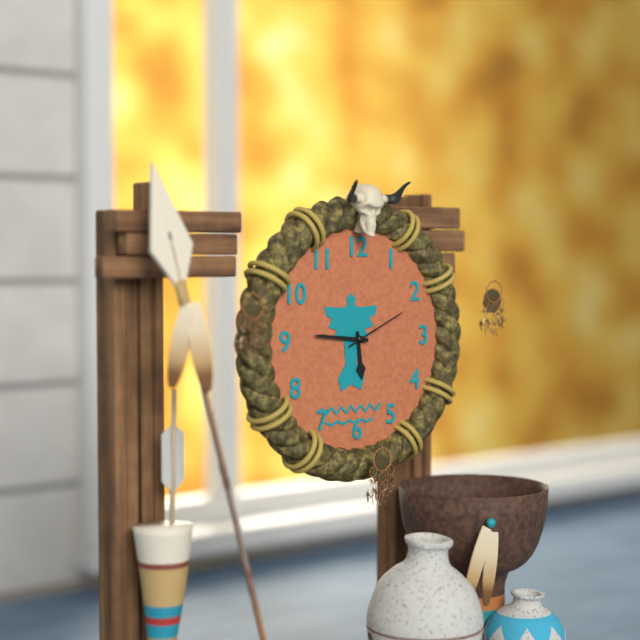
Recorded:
5 h 46 min 11 s
